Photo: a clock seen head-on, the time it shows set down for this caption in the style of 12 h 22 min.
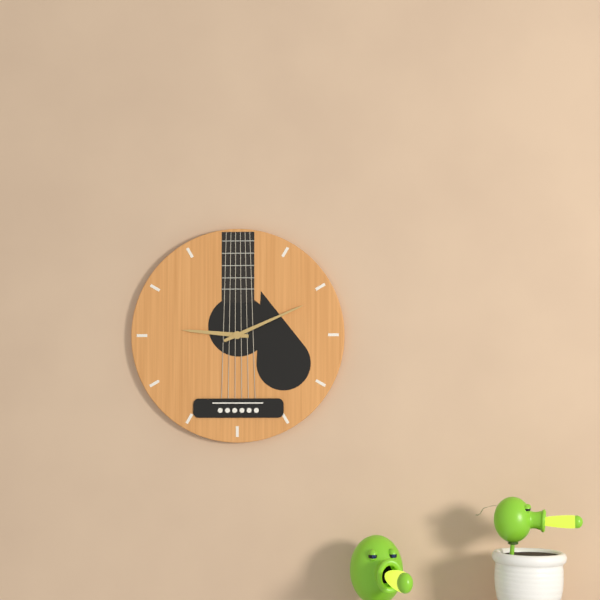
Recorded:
9 h 11 min
